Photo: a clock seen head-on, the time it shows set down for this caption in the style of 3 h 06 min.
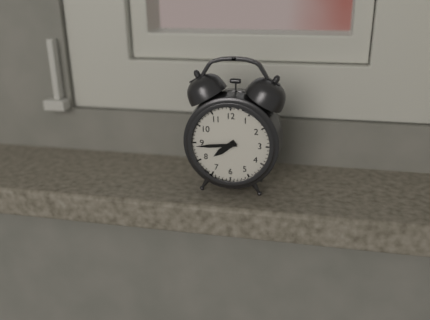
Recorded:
7 h 44 min
